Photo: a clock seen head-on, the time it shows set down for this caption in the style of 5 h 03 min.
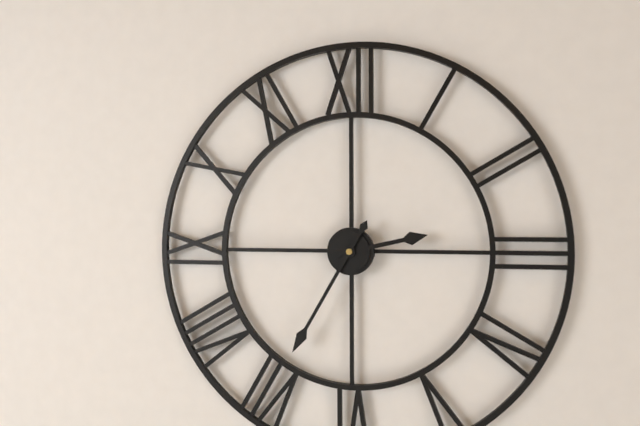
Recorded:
2 h 35 min
